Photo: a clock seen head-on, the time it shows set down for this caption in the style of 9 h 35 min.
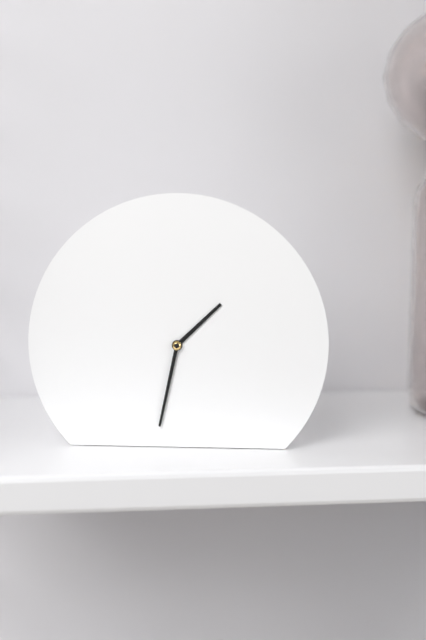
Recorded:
1 h 32 min
